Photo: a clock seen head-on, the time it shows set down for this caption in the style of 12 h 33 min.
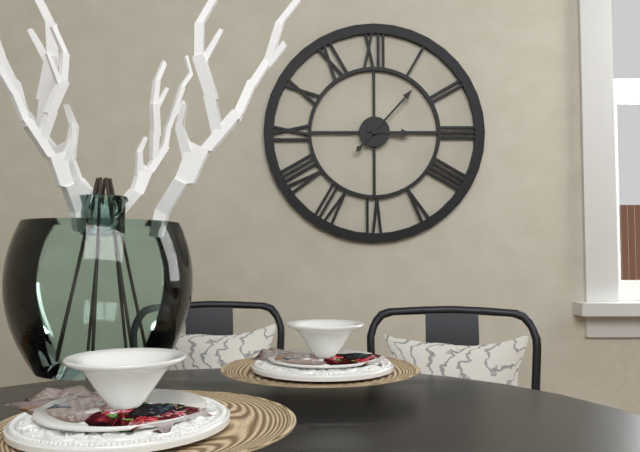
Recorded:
3 h 07 min
